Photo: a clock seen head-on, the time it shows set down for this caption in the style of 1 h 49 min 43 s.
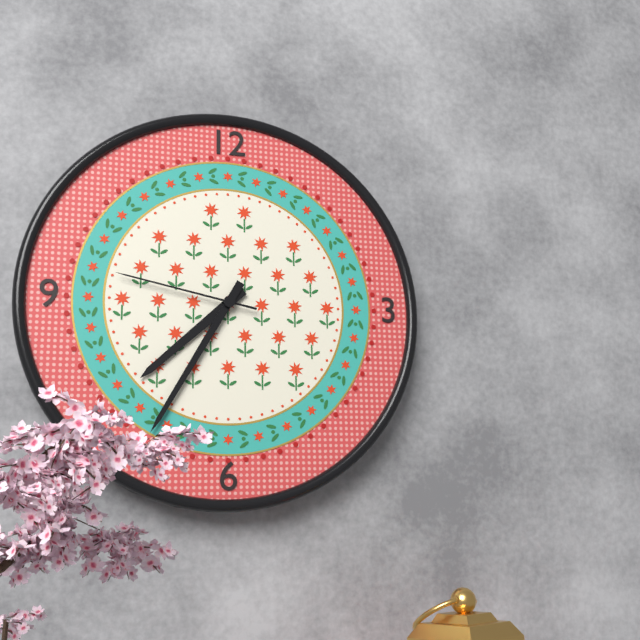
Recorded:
7 h 35 min 47 s
